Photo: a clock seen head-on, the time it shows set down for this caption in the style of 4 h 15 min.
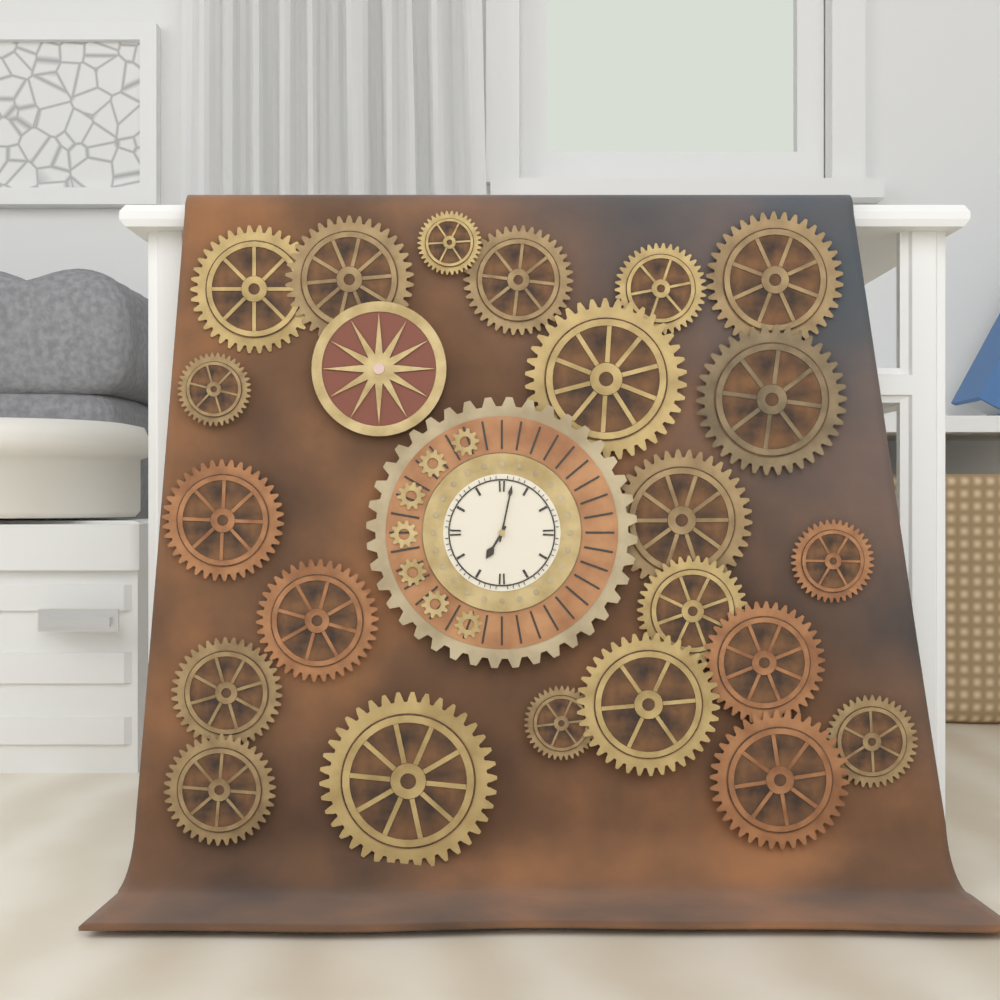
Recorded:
7 h 02 min
